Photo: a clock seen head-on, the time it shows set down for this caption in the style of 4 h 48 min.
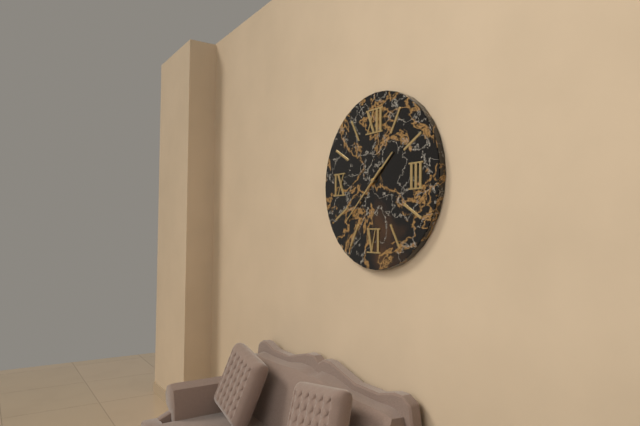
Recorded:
1 h 38 min
